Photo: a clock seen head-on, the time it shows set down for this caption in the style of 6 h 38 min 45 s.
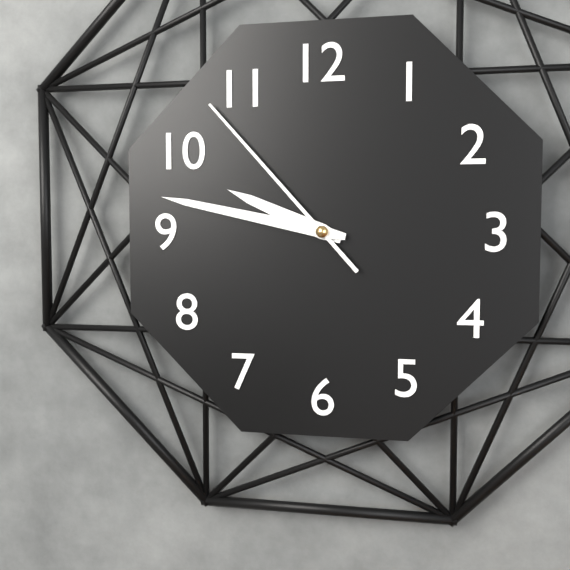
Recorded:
9 h 47 min 53 s
